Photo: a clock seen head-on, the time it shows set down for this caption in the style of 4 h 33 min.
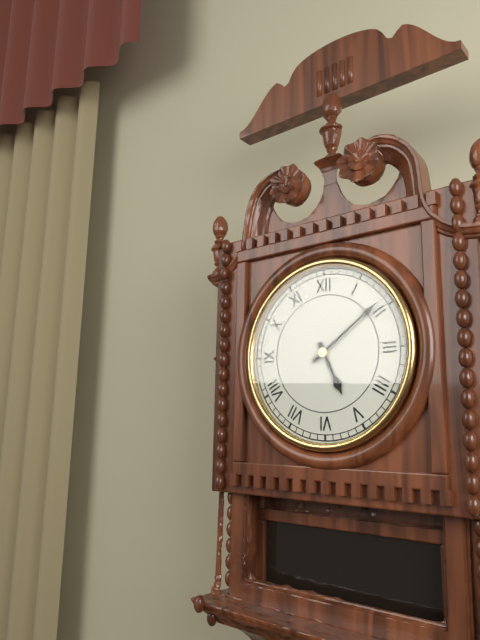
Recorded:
5 h 09 min
